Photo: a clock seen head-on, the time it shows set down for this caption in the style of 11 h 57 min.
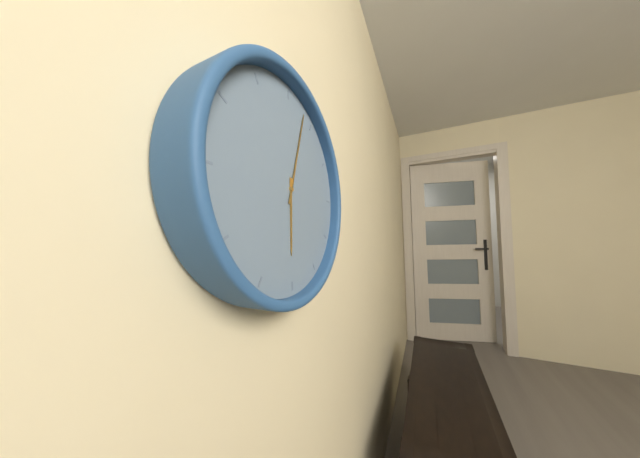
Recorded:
6 h 03 min
